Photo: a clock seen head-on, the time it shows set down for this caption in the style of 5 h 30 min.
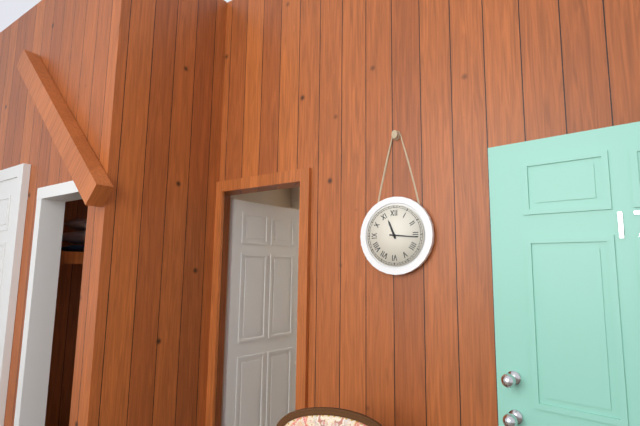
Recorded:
11 h 16 min
